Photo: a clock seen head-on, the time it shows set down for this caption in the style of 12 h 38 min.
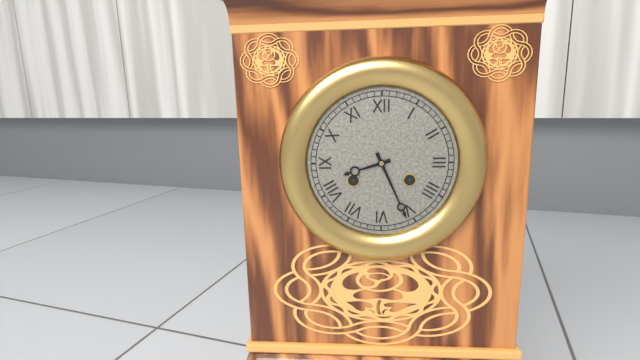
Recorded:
8 h 26 min
